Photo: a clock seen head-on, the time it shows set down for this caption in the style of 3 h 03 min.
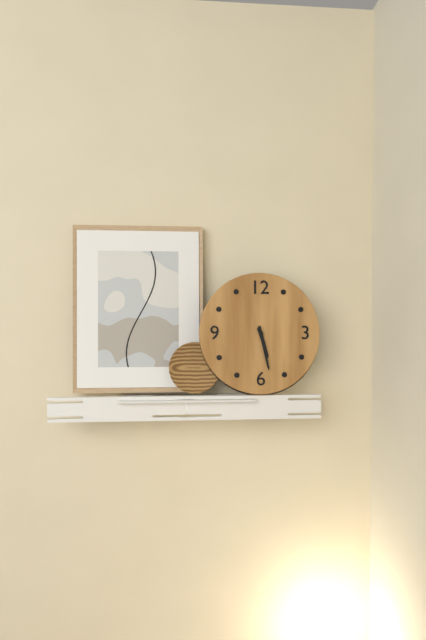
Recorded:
5 h 28 min
